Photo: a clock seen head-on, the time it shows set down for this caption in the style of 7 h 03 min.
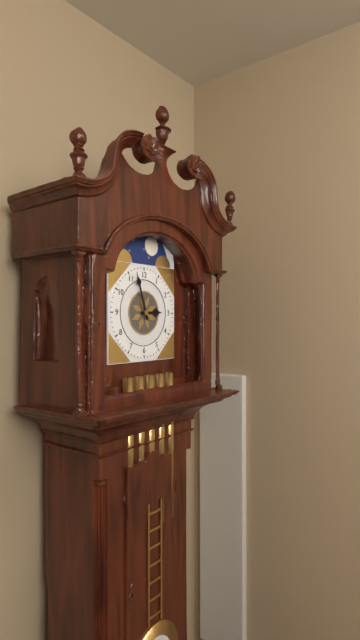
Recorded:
2 h 57 min
